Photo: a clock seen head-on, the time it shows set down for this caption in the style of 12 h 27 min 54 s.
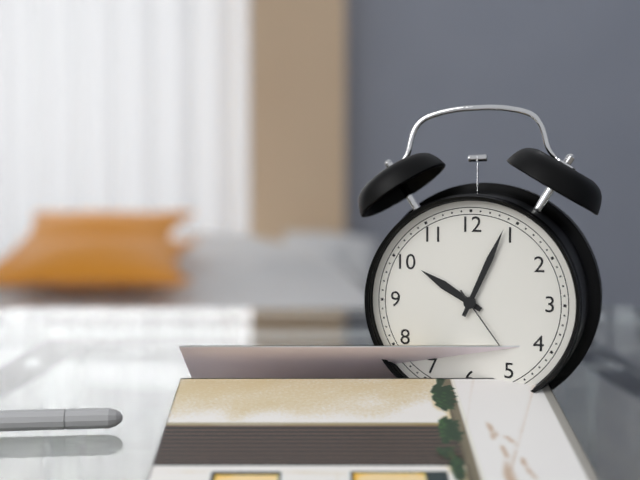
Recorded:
10 h 04 min 24 s
